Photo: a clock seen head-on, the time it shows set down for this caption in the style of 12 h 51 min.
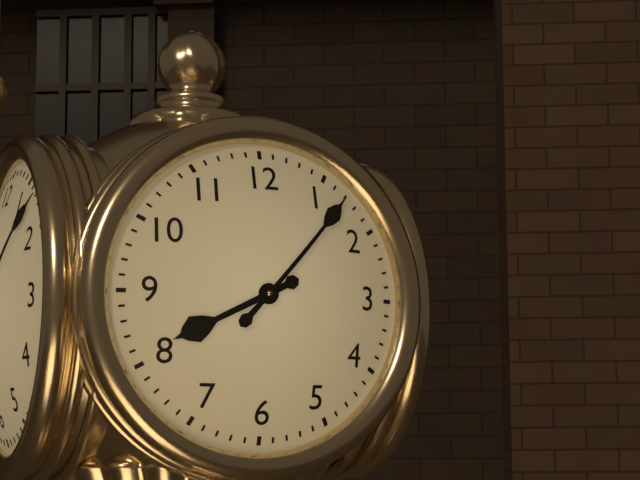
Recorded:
8 h 07 min
